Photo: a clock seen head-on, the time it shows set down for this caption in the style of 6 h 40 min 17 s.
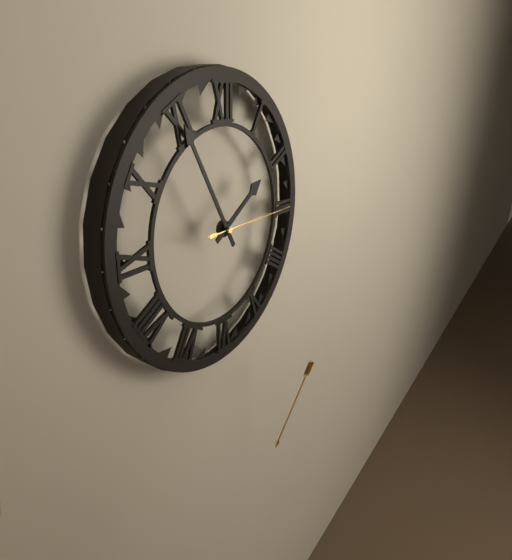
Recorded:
1 h 55 min 15 s
